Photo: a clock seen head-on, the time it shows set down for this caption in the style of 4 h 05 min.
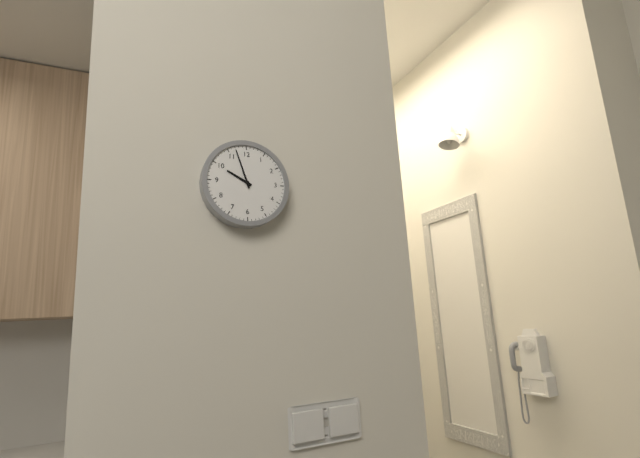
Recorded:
9 h 57 min
